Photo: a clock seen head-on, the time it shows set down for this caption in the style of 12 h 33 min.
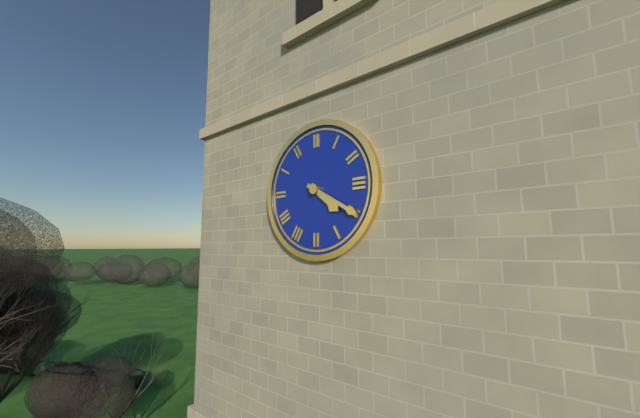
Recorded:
4 h 20 min
